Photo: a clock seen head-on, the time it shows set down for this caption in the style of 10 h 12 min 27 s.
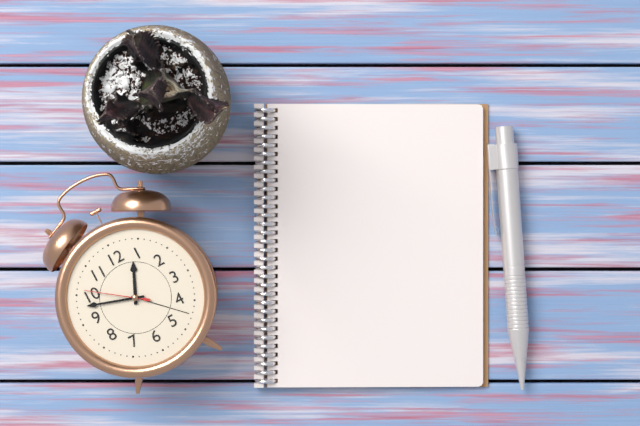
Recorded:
12 h 48 min 51 s
